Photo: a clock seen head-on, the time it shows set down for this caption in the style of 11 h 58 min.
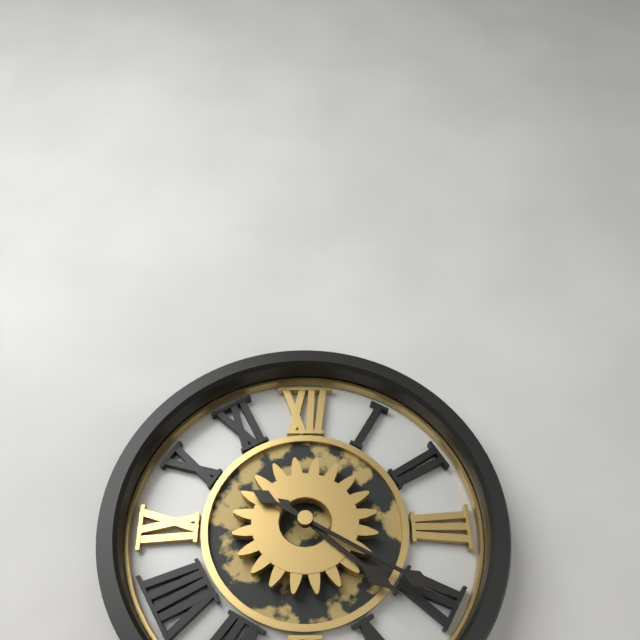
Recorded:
4 h 20 min
